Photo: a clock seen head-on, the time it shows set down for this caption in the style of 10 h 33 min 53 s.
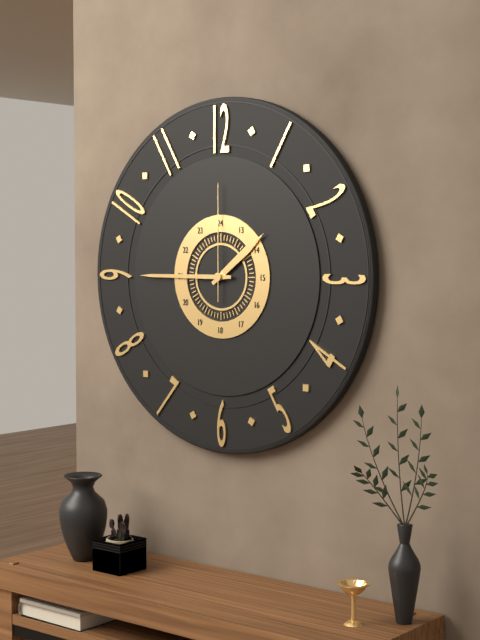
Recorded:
1 h 45 min 00 s
